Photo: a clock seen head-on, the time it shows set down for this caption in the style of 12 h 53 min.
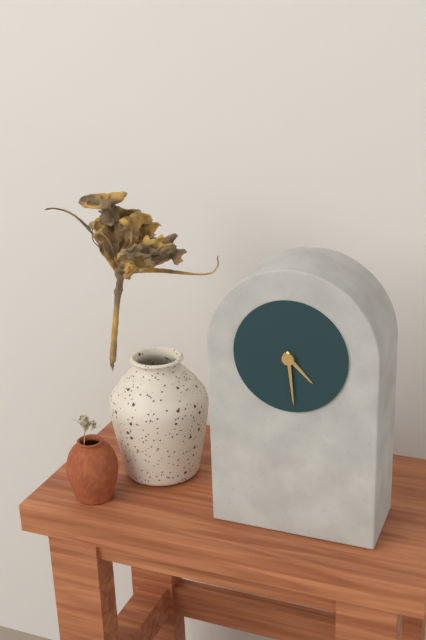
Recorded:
4 h 29 min
